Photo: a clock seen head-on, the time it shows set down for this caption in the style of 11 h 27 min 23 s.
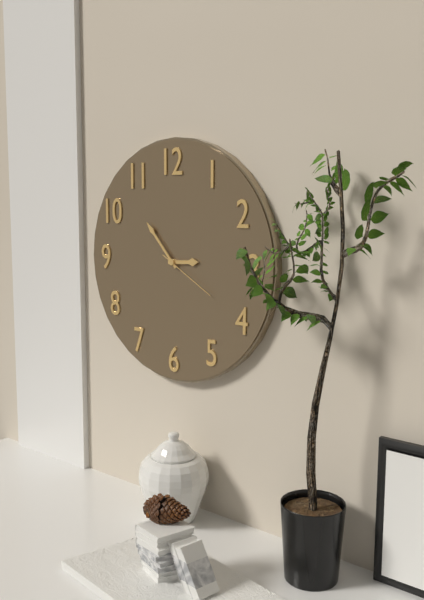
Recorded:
2 h 53 min 20 s
